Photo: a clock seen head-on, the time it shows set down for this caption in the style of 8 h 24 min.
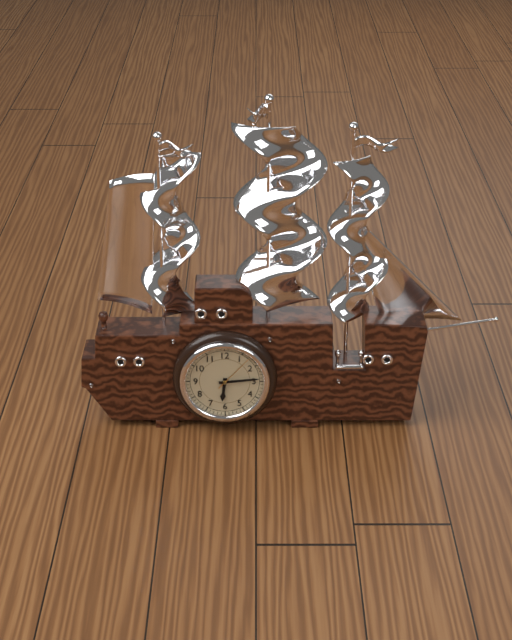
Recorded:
6 h 14 min
